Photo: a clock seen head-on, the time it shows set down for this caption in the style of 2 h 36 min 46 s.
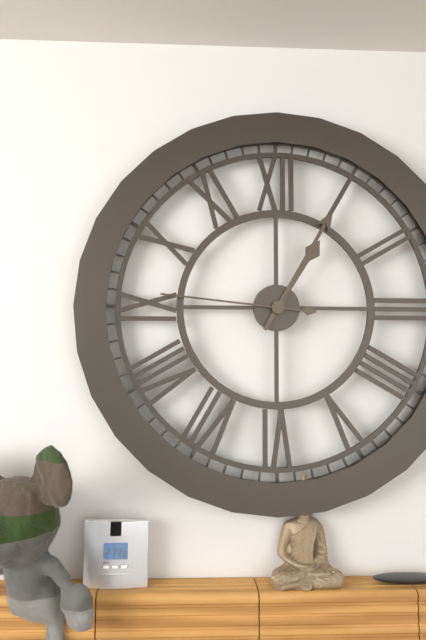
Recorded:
1 h 05 min 46 s
